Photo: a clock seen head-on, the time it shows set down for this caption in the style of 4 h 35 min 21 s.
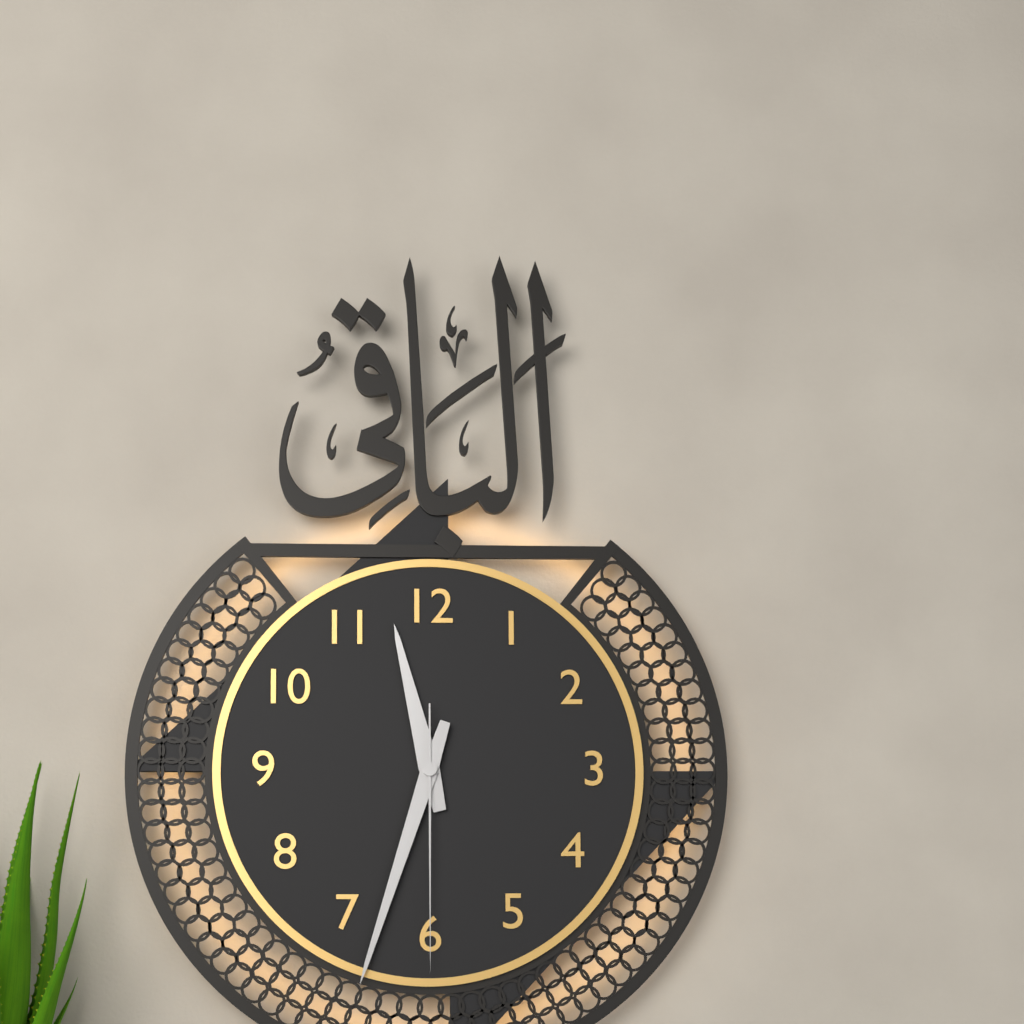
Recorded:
11 h 33 min 30 s
